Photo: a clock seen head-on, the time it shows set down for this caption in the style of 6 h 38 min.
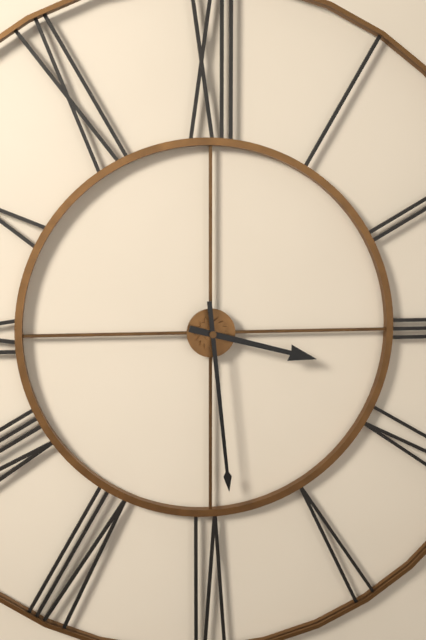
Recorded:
3 h 29 min
